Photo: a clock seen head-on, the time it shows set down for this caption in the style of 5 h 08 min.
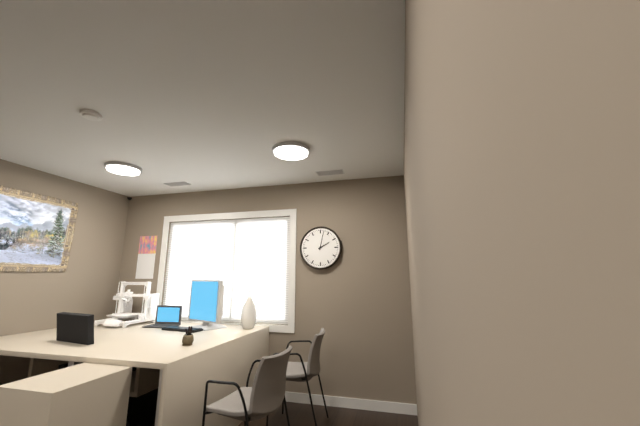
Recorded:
2 h 02 min
